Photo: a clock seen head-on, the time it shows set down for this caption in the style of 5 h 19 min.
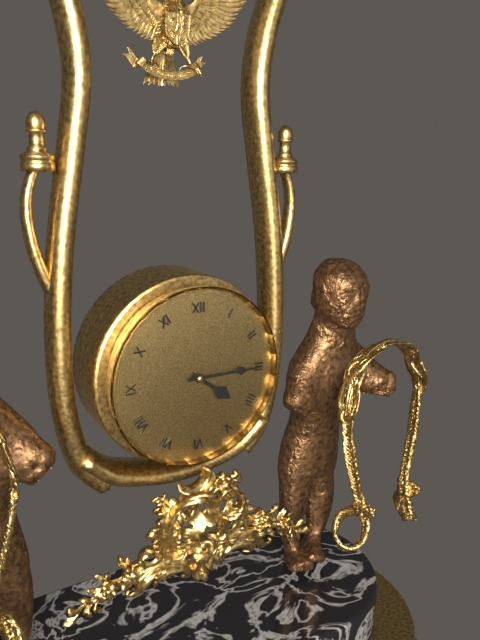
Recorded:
4 h 15 min
